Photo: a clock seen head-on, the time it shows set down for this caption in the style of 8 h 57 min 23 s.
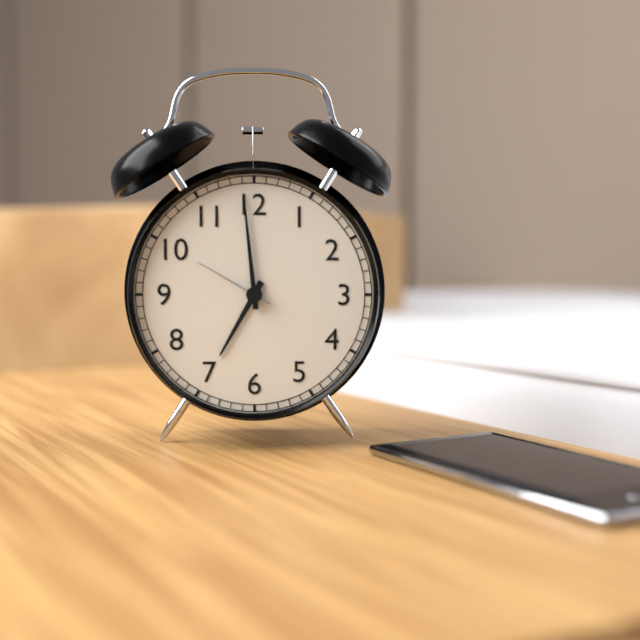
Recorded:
6 h 59 min 50 s
